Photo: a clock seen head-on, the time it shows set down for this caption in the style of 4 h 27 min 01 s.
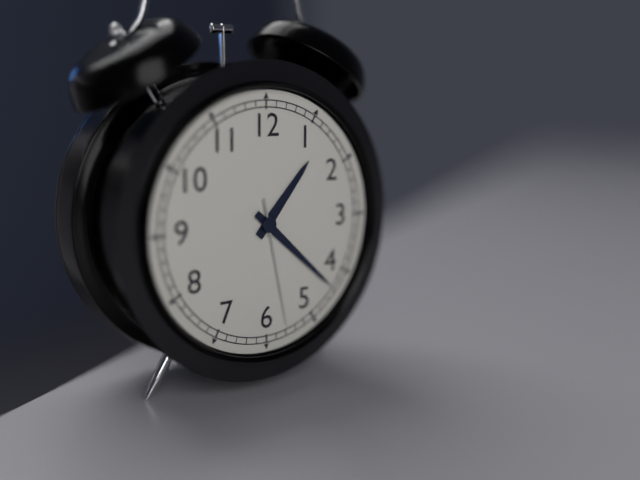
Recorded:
1 h 22 min 28 s
